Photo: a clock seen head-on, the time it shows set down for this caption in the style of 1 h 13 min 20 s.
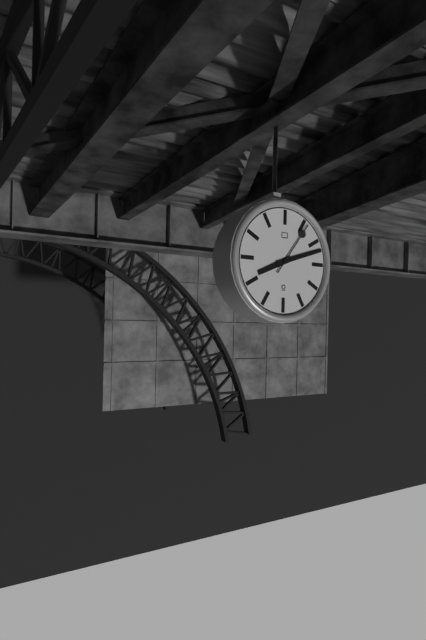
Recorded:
8 h 12 min 06 s
